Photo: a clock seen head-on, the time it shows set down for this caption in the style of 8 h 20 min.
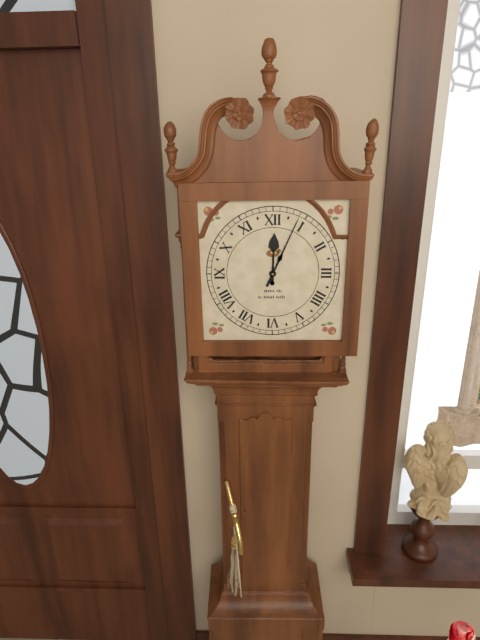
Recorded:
12 h 04 min
